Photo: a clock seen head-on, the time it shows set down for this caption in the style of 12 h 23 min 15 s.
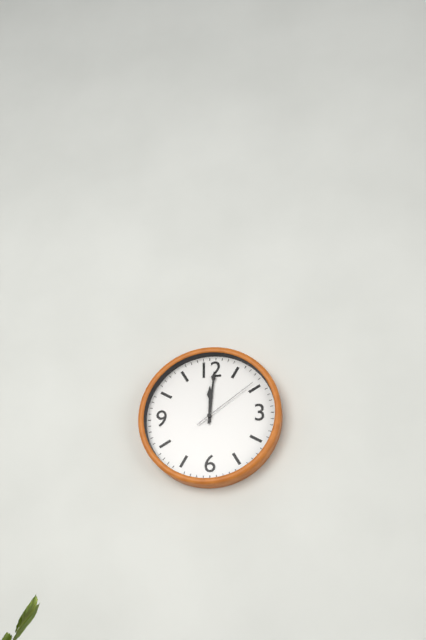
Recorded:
12 h 01 min 09 s
